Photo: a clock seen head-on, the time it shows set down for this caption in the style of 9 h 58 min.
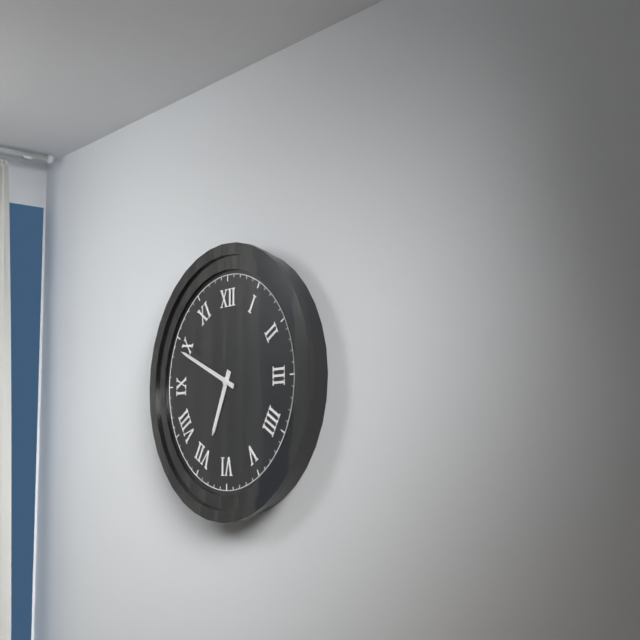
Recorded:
6 h 49 min
